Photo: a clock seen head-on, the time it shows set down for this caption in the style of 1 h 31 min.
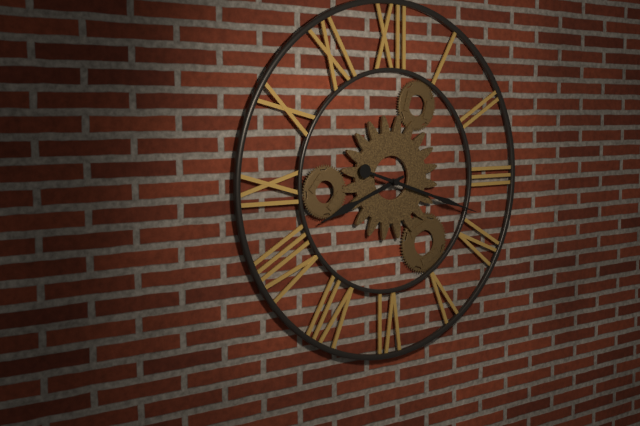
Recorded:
8 h 18 min
